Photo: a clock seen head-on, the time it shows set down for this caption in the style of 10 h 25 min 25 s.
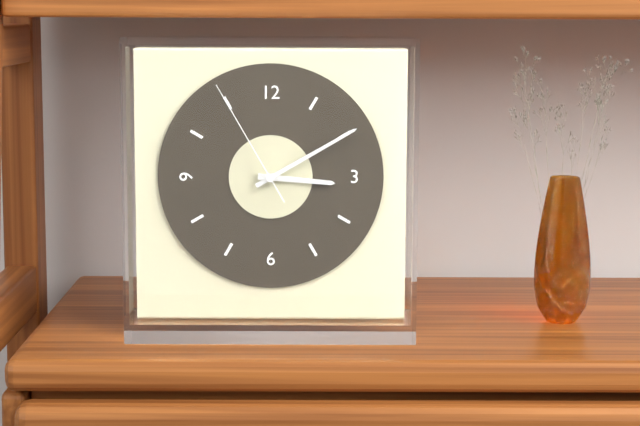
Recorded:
3 h 10 min 55 s
